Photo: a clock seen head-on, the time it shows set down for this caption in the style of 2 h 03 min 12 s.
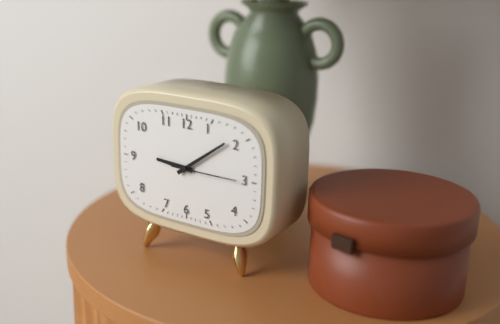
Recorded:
9 h 09 min 15 s
